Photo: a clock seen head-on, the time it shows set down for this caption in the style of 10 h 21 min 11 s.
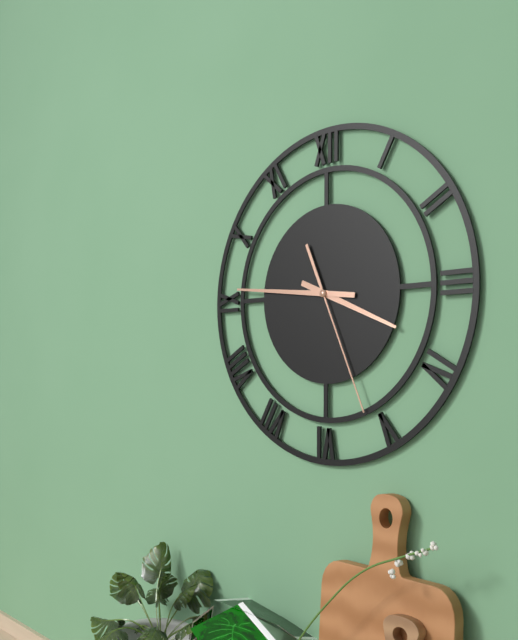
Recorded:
3 h 46 min 26 s
